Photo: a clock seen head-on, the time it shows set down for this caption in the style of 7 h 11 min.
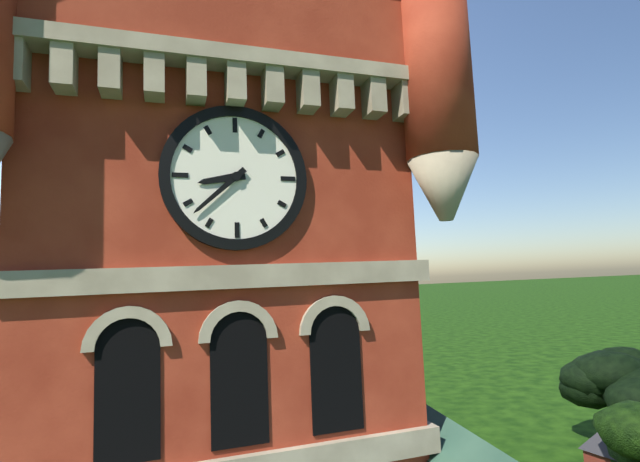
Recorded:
8 h 38 min
